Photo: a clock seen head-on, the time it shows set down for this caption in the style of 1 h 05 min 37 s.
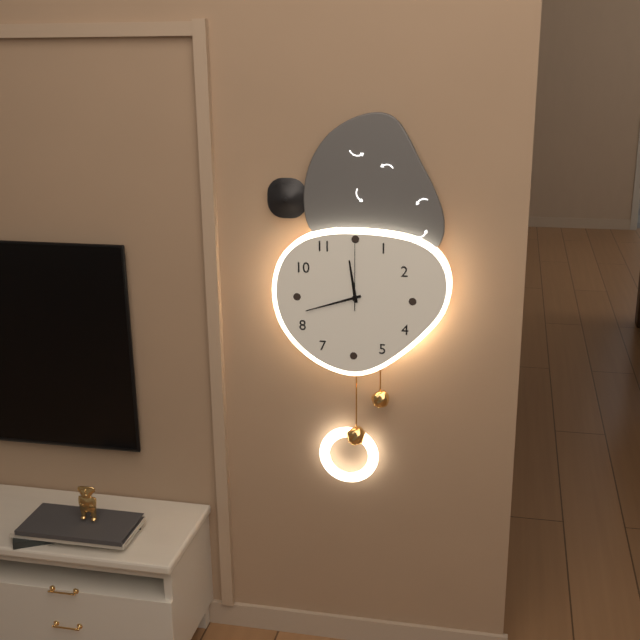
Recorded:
11 h 42 min 00 s
